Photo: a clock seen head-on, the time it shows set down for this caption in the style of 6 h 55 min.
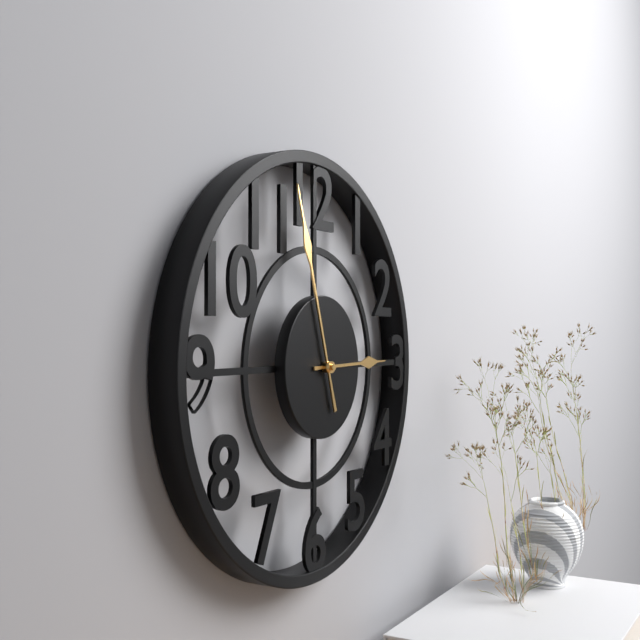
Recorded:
2 h 57 min
